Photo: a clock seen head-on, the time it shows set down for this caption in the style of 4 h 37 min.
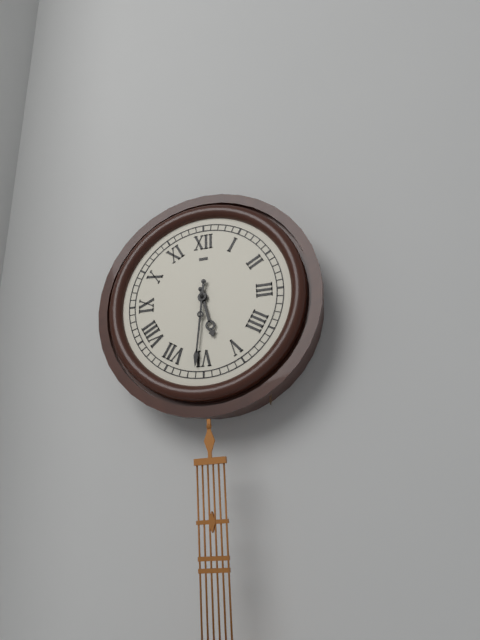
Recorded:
5 h 31 min
